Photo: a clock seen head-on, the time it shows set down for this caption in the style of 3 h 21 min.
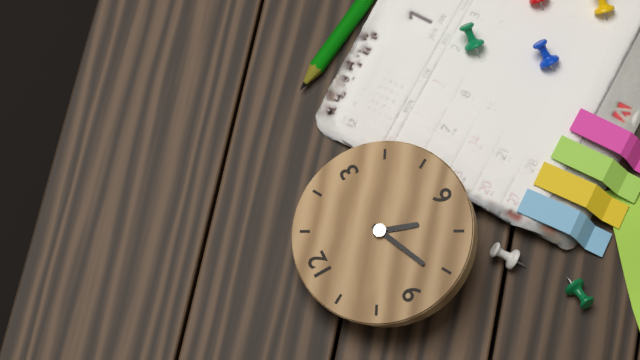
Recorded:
6 h 41 min
